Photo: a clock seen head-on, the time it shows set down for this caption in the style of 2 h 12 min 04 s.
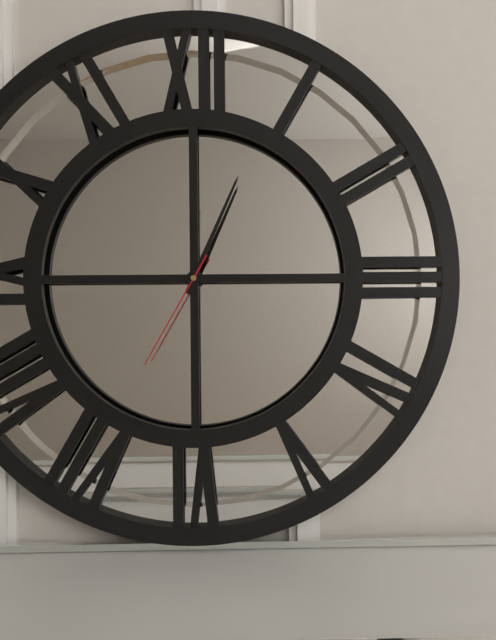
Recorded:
12 h 04 min 35 s
